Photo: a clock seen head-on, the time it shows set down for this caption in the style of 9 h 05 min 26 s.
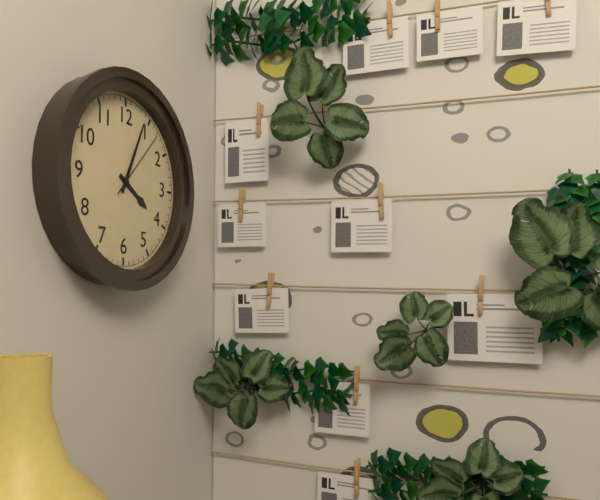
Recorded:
4 h 04 min 07 s
